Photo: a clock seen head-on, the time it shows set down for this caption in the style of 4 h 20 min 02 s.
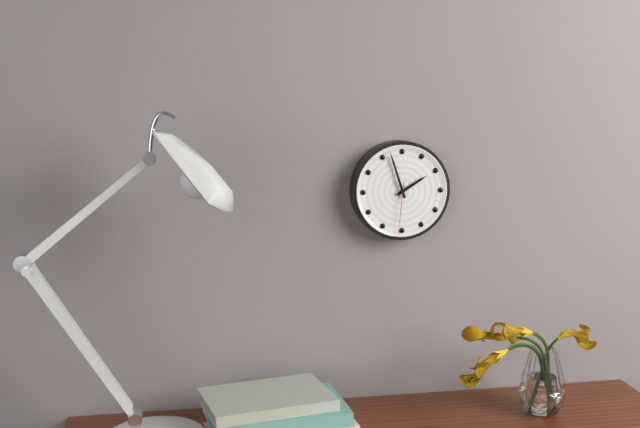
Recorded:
1 h 57 min 31 s
